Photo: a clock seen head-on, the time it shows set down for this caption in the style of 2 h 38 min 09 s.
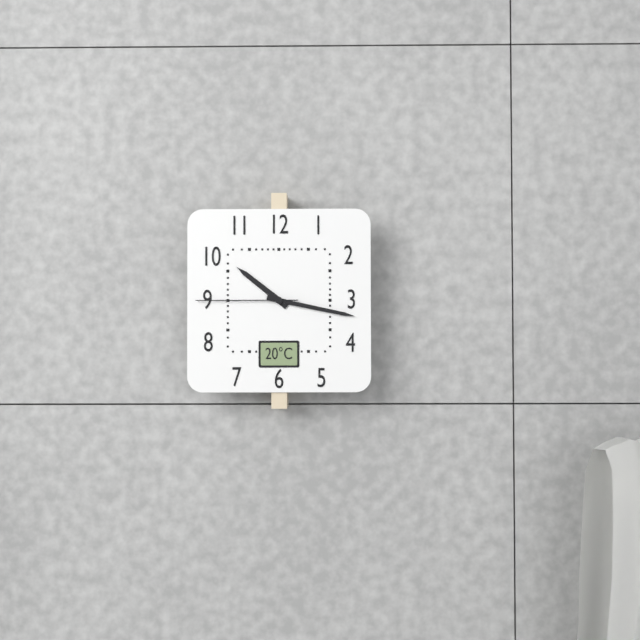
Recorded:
10 h 17 min 45 s
